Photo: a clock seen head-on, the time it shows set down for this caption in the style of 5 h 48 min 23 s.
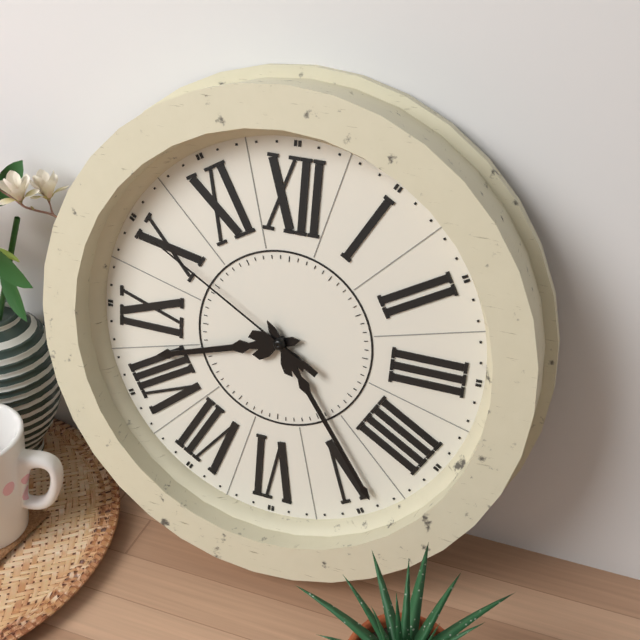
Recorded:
8 h 24 min 50 s
